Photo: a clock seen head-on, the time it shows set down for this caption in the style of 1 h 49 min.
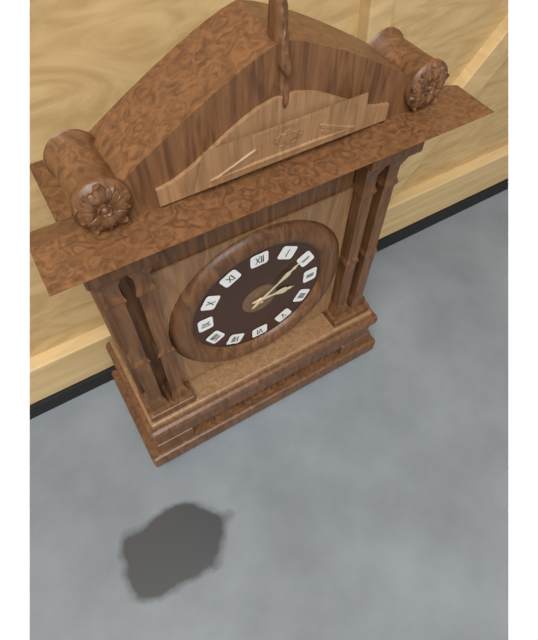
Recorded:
3 h 09 min
